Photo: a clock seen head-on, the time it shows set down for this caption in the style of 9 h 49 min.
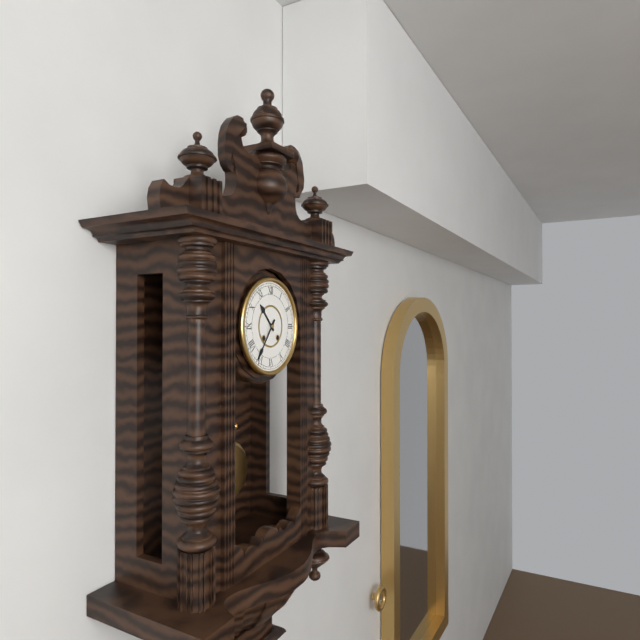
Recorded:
10 h 36 min
